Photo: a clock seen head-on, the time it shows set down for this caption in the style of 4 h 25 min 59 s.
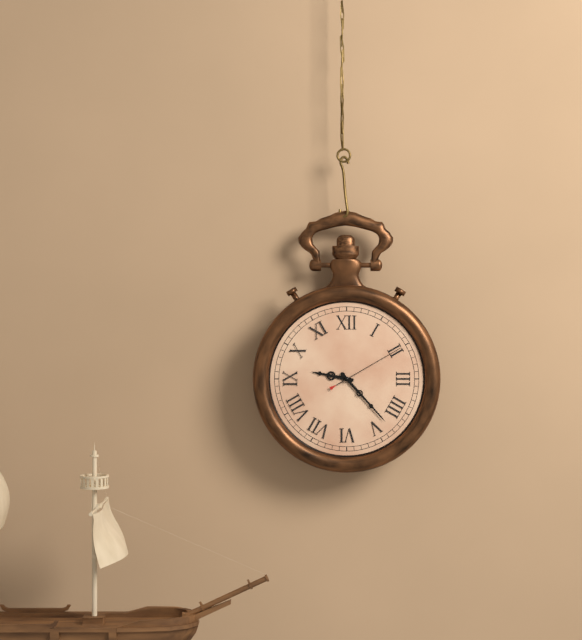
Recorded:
9 h 23 min 10 s
